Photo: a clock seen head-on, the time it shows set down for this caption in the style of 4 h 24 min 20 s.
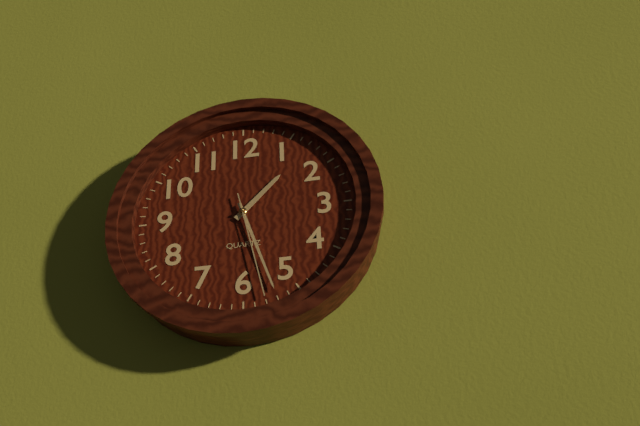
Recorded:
1 h 27 min 28 s
